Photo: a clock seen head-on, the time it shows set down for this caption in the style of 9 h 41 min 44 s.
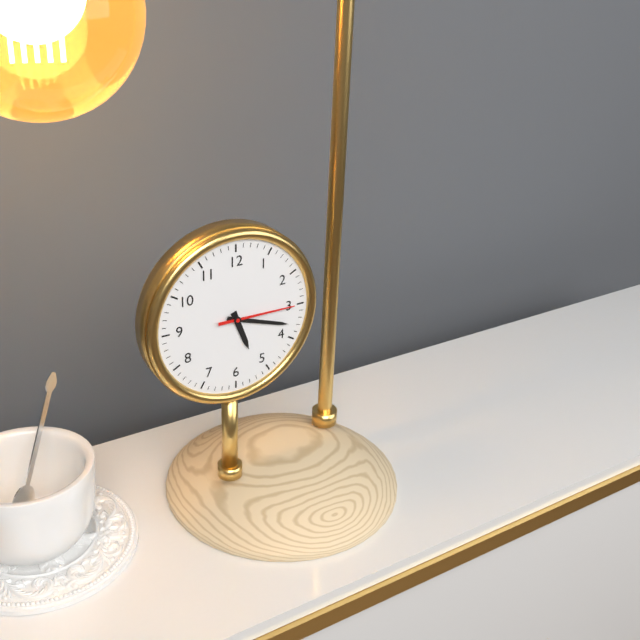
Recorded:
5 h 18 min 15 s
